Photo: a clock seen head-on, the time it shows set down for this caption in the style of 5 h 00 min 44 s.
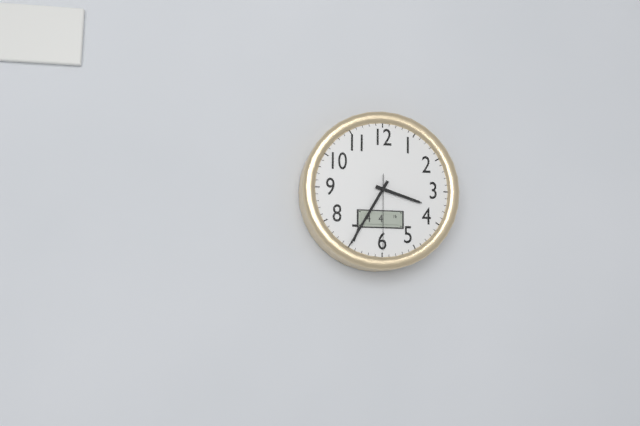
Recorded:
3 h 35 min 30 s
